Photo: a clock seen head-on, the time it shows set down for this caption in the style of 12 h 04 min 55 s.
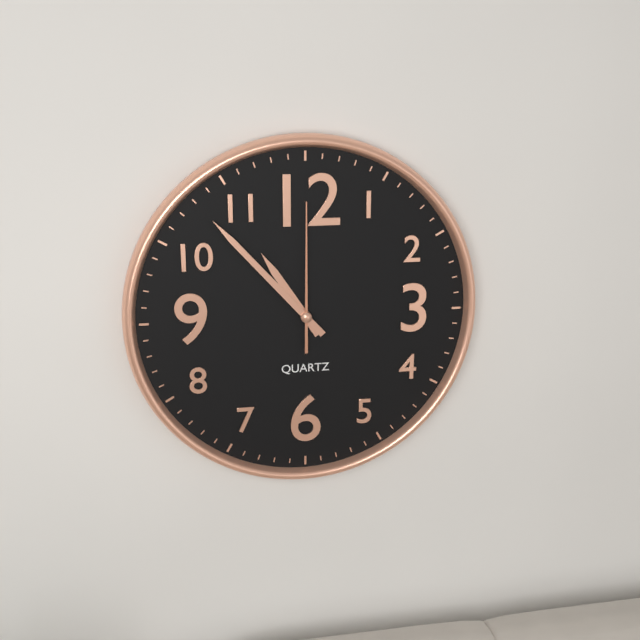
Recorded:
10 h 53 min 00 s
